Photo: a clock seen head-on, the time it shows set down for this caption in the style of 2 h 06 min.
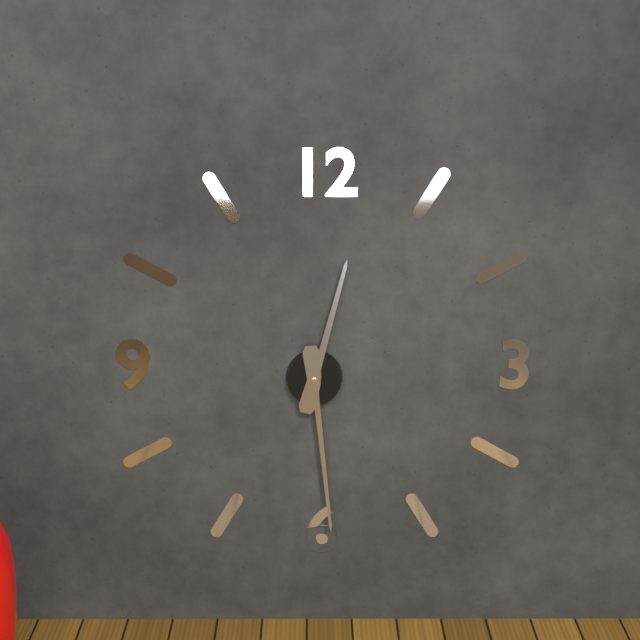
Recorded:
12 h 29 min
